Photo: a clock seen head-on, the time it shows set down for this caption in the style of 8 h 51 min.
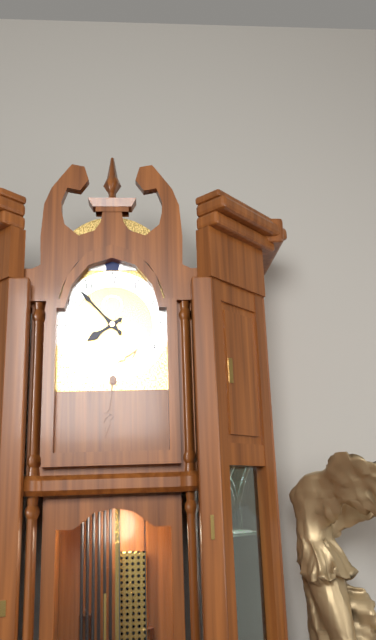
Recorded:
7 h 53 min
